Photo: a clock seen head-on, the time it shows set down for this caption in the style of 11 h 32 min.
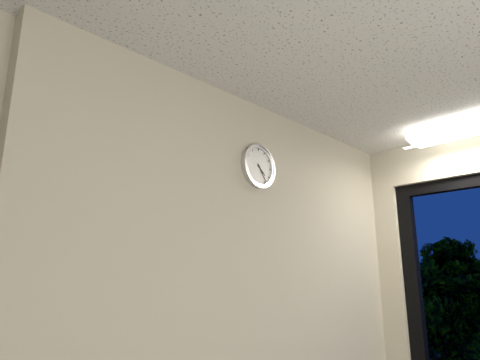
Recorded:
4 h 24 min
